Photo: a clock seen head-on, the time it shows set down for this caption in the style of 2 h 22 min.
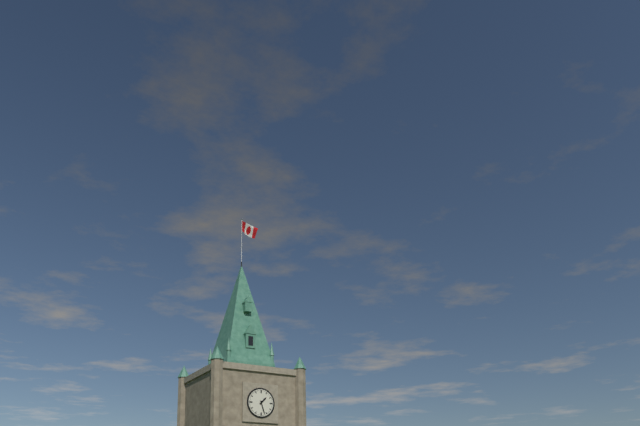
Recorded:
1 h 27 min
